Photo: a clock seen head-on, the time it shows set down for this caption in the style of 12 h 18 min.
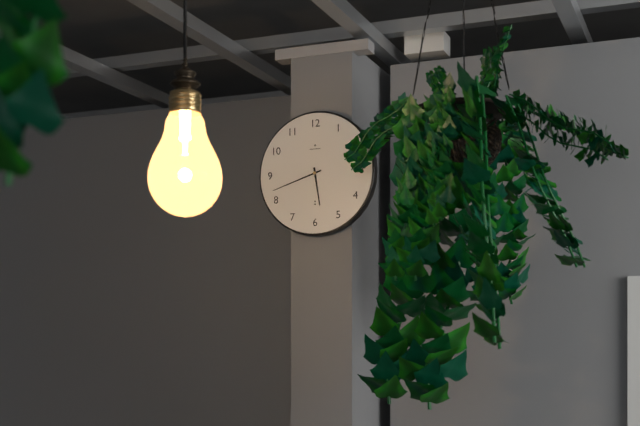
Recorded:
5 h 42 min
